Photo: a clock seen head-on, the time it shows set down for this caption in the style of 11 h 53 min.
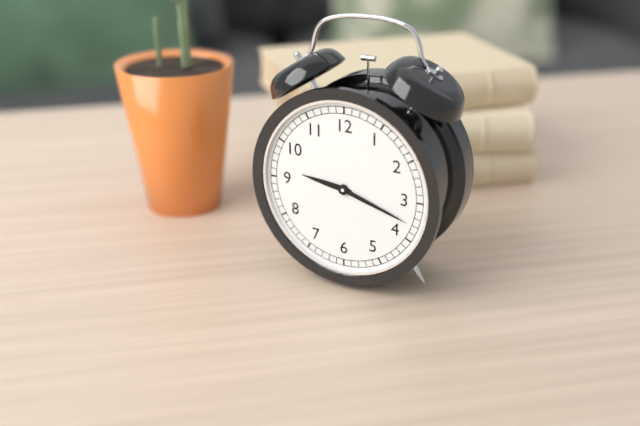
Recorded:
9 h 18 min
